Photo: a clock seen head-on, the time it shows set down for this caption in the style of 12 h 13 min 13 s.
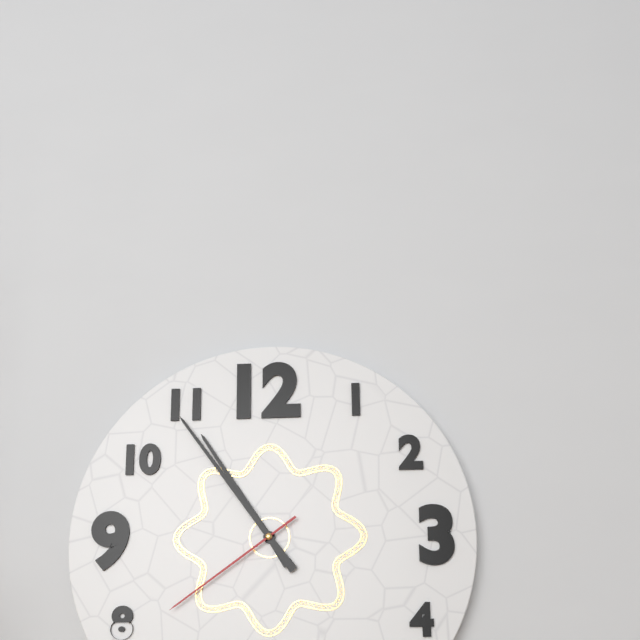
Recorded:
10 h 54 min 39 s
